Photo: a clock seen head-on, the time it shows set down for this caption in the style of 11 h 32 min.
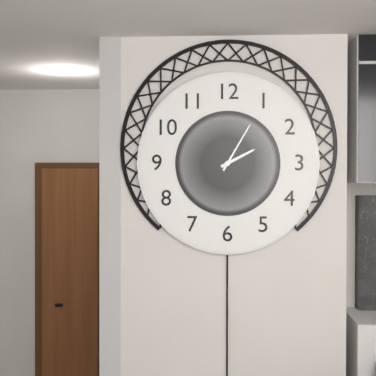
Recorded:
2 h 05 min
